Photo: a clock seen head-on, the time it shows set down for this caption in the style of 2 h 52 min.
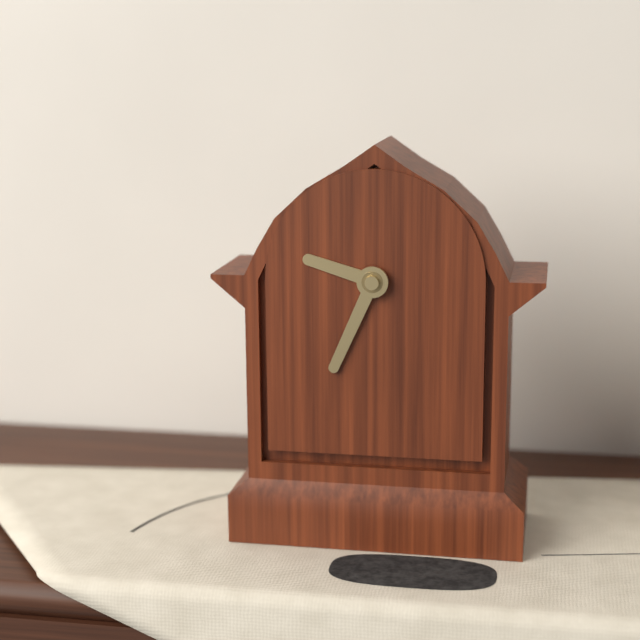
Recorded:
9 h 34 min
